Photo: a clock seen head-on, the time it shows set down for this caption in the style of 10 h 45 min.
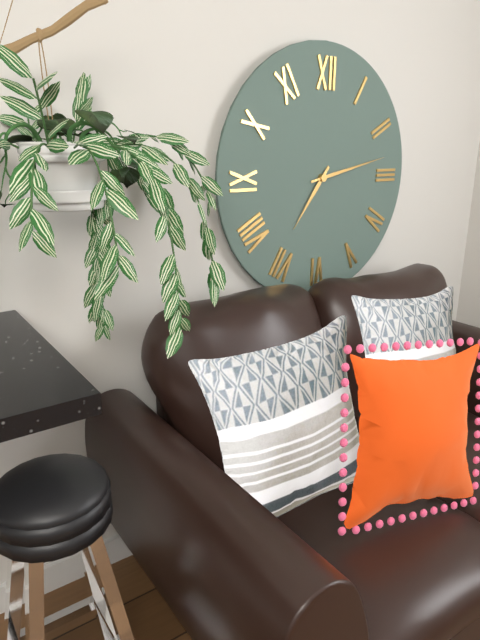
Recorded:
7 h 13 min
